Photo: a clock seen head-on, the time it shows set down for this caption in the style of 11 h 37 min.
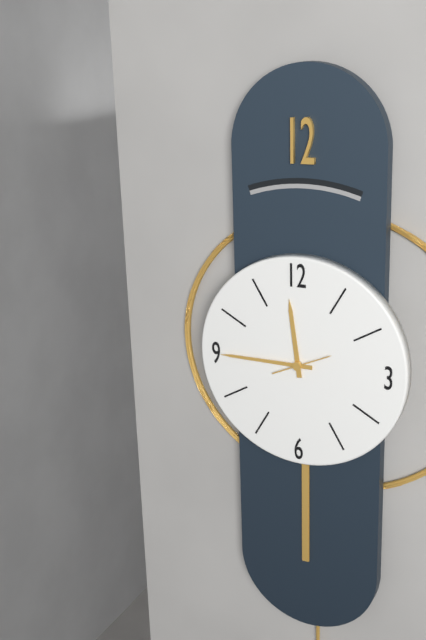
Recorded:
11 h 45 min
